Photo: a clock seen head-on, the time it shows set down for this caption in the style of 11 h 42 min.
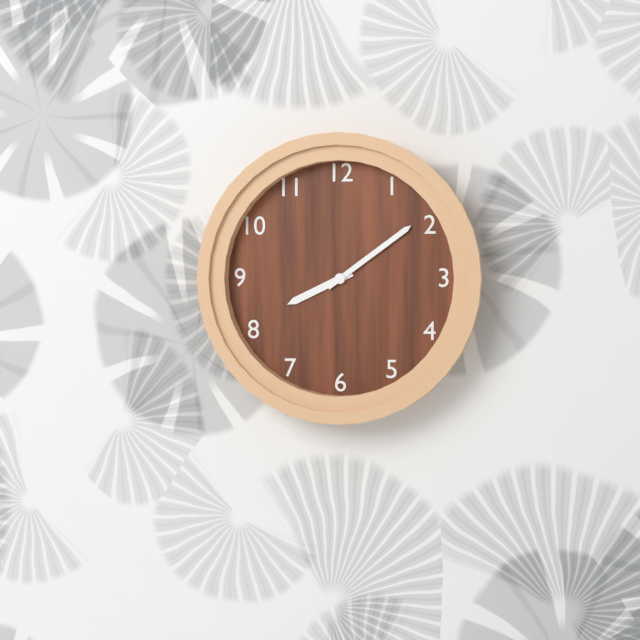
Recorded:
8 h 09 min
